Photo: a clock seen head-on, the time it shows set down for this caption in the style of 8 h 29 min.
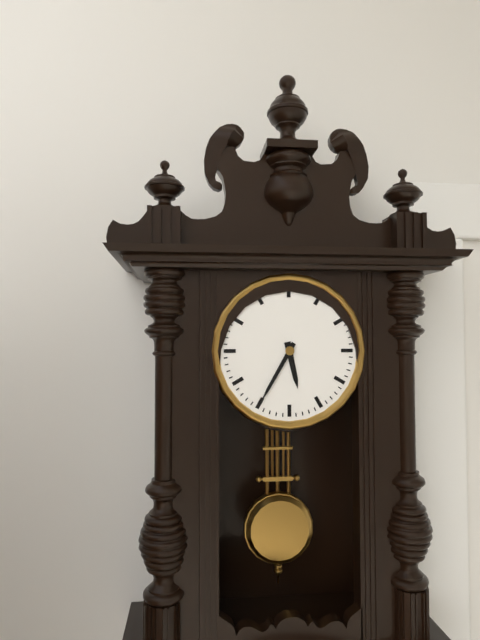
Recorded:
5 h 35 min
